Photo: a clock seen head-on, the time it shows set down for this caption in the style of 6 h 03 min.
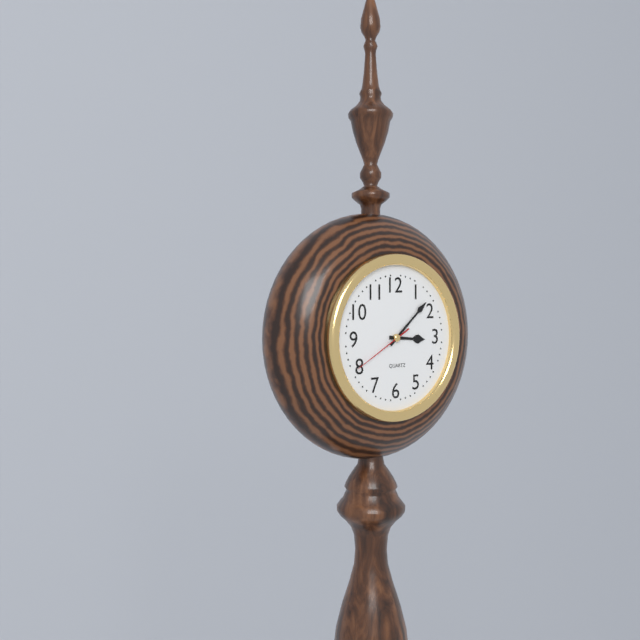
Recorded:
3 h 08 min
